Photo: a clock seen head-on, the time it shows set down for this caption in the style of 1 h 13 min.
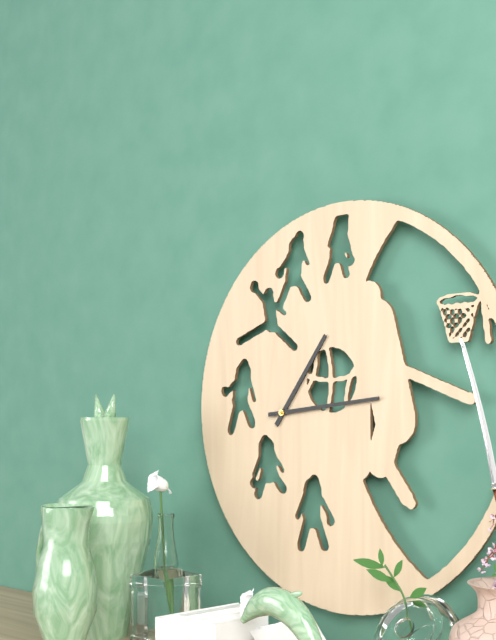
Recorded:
1 h 14 min
